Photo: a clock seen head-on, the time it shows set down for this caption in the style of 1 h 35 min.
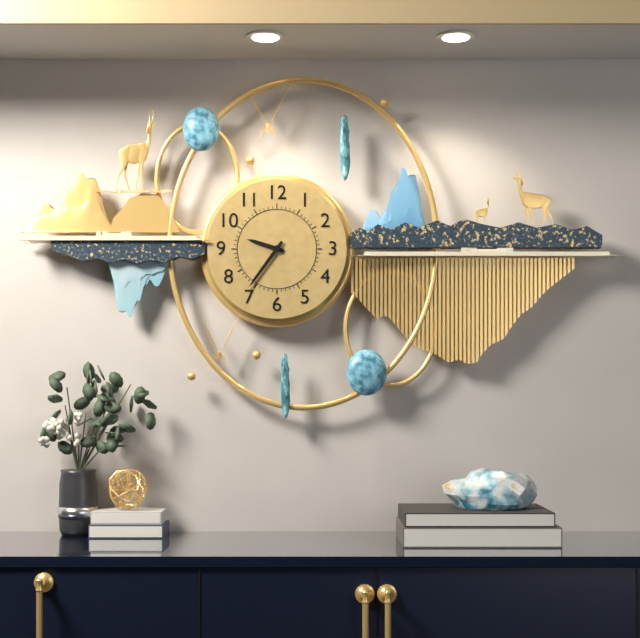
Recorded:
9 h 36 min
